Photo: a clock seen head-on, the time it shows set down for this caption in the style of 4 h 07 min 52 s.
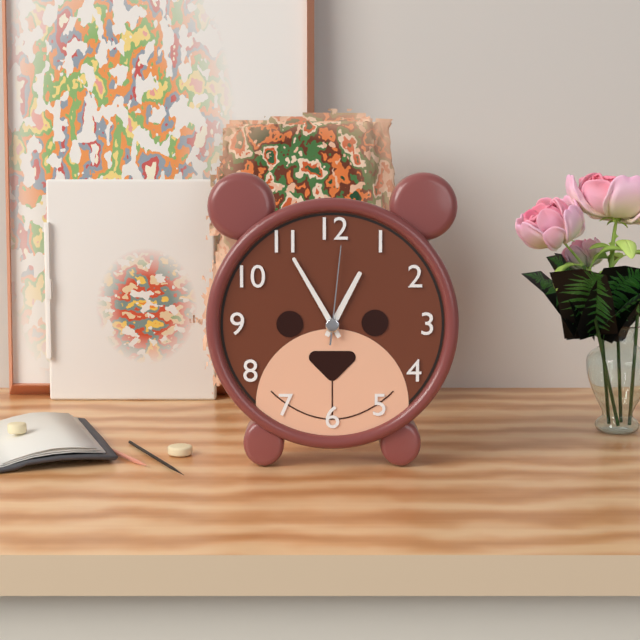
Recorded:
12 h 55 min 01 s
